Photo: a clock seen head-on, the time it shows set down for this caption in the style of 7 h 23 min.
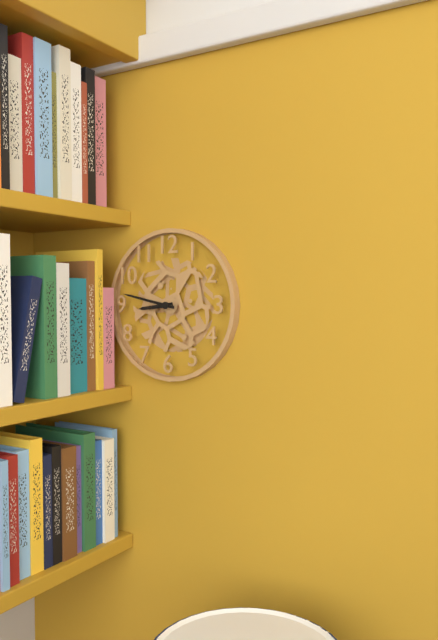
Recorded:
8 h 47 min
